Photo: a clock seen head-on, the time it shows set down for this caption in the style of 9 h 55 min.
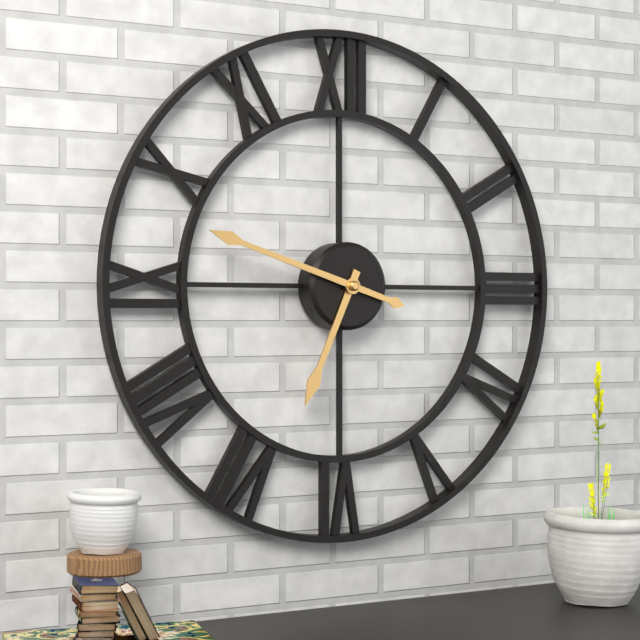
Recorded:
6 h 48 min
